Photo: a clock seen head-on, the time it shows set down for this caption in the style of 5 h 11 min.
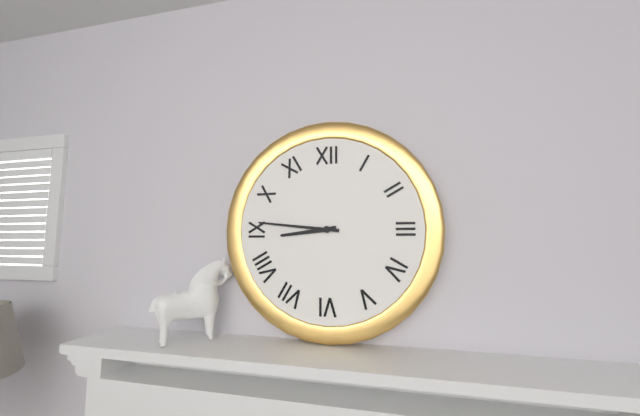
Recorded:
8 h 46 min
